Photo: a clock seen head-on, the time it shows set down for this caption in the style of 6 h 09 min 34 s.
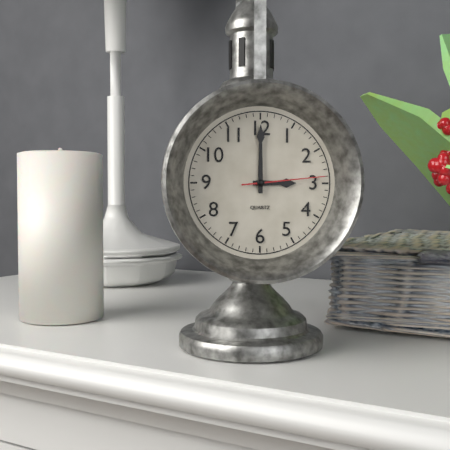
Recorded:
3 h 00 min 14 s
